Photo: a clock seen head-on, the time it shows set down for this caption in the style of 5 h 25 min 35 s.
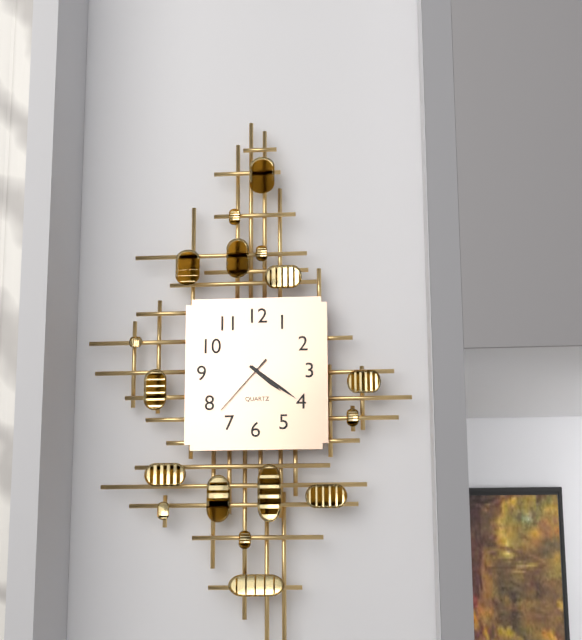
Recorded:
4 h 21 min 37 s
